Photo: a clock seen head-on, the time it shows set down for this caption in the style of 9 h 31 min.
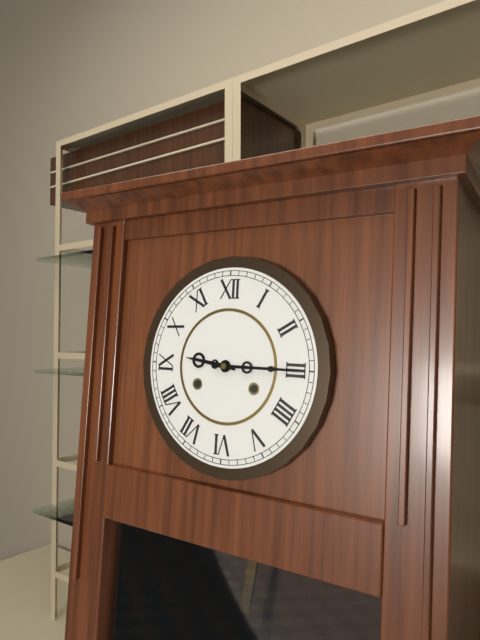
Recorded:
9 h 15 min
